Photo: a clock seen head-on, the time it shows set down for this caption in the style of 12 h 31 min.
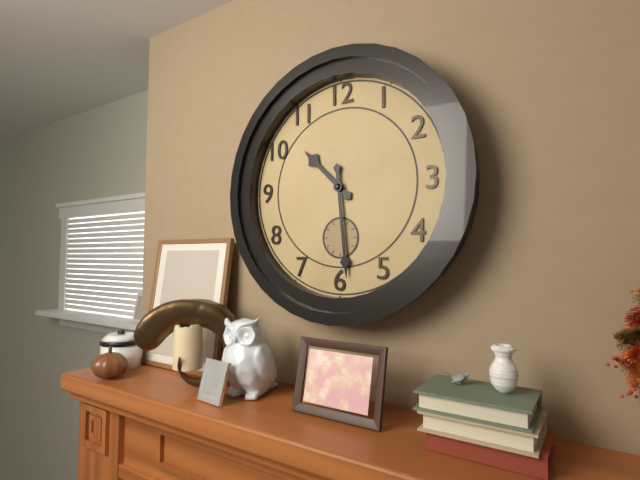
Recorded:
10 h 29 min
